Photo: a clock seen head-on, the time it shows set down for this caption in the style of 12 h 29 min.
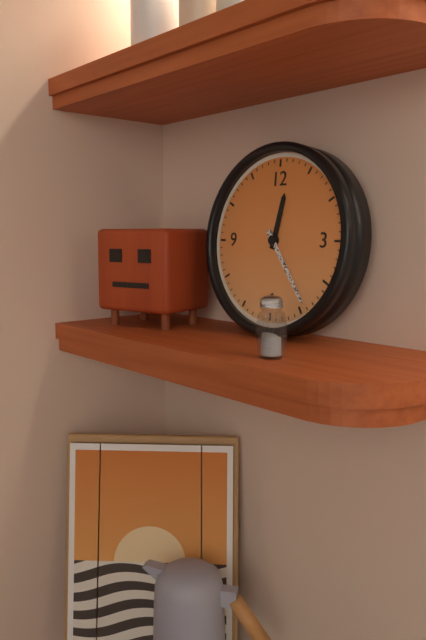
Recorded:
12 h 24 min
